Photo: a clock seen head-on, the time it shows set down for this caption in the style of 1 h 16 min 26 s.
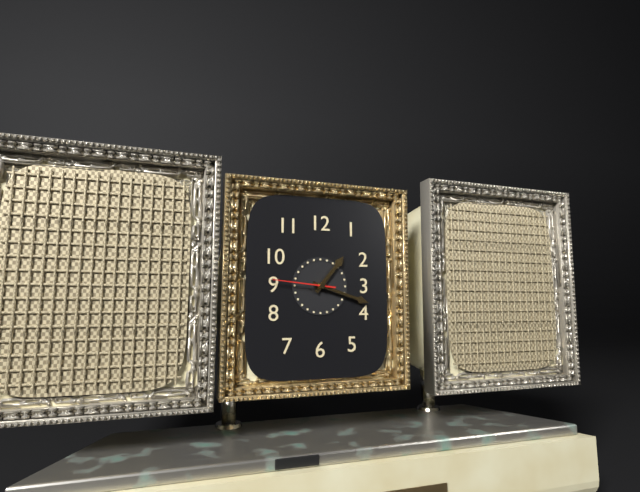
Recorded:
1 h 18 min 46 s
